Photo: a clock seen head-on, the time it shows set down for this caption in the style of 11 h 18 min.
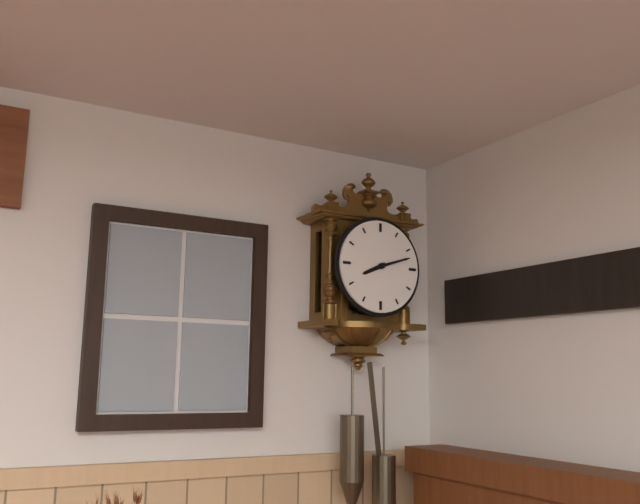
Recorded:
8 h 12 min
